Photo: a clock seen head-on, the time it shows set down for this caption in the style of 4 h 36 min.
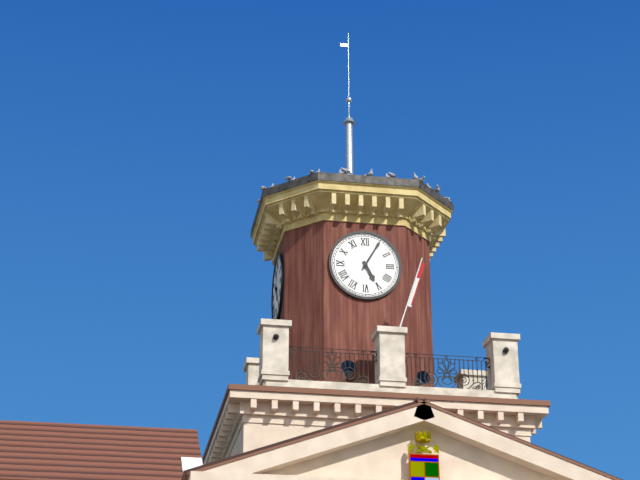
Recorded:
5 h 05 min
